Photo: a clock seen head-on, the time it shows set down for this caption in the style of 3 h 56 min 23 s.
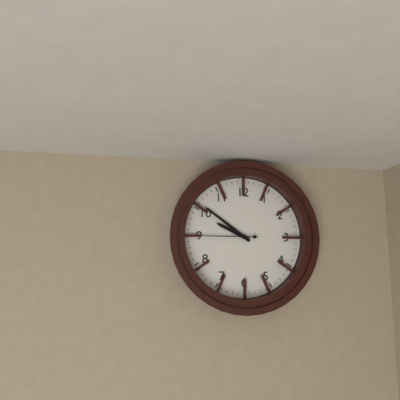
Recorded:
9 h 51 min 45 s
